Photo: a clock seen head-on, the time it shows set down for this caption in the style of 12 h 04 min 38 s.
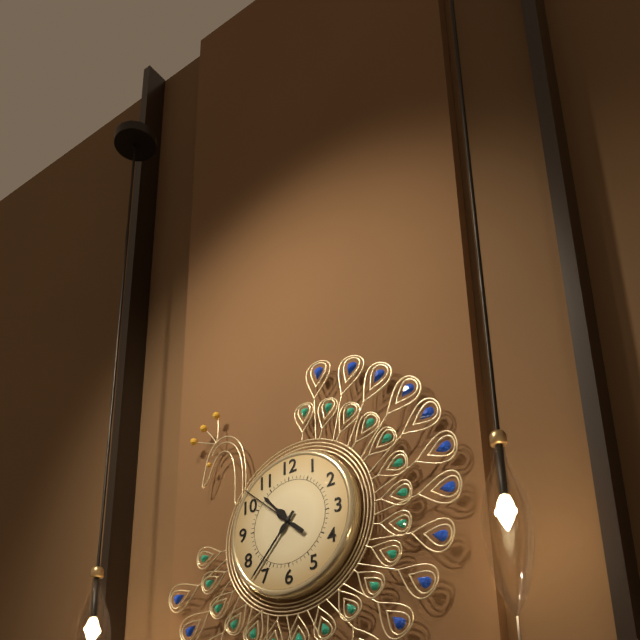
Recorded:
10 h 37 min 52 s
